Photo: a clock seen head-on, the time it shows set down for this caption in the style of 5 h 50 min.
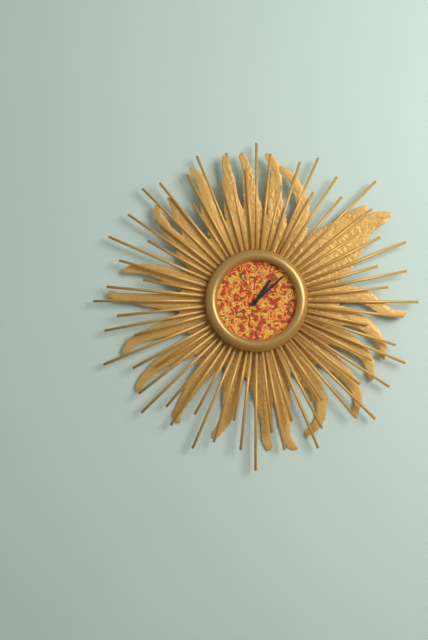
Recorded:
1 h 08 min
